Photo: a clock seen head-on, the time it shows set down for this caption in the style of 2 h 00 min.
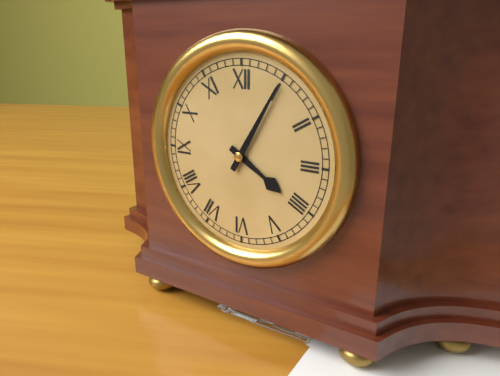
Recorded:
4 h 05 min
